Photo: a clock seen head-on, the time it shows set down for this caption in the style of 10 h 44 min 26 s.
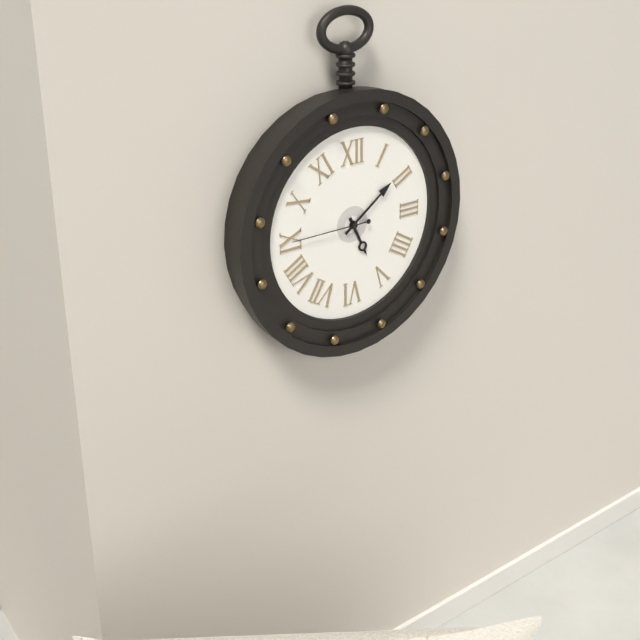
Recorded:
5 h 09 min 45 s
